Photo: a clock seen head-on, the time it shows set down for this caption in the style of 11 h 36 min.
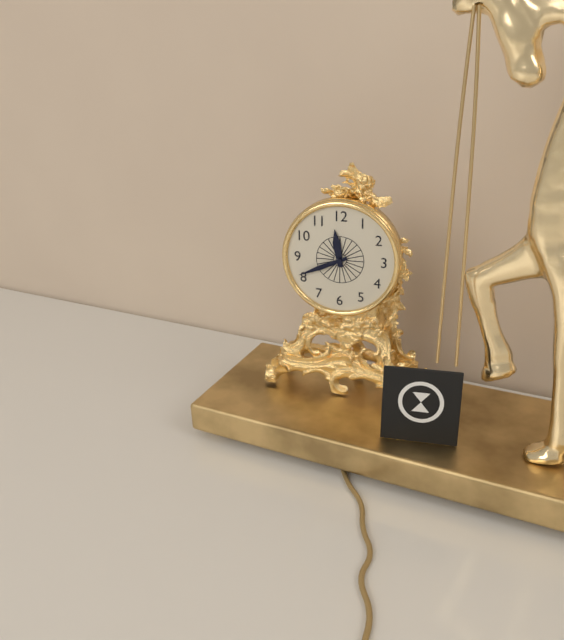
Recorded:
11 h 41 min
